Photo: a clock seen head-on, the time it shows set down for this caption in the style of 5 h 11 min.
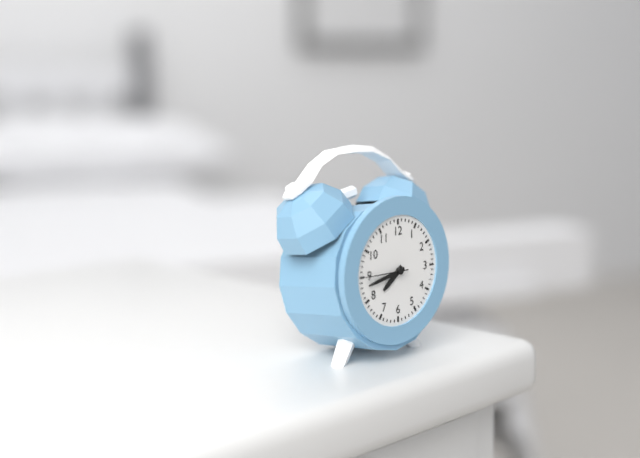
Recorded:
7 h 43 min
